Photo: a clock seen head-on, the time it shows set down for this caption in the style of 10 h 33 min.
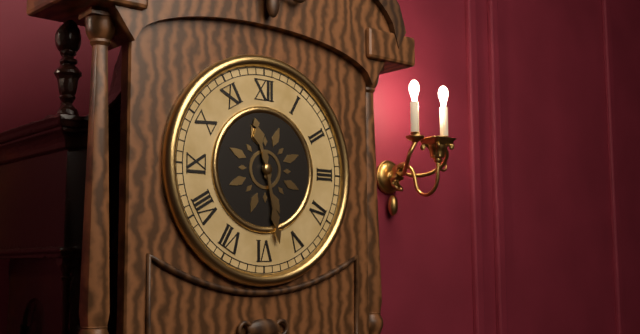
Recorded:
11 h 28 min
